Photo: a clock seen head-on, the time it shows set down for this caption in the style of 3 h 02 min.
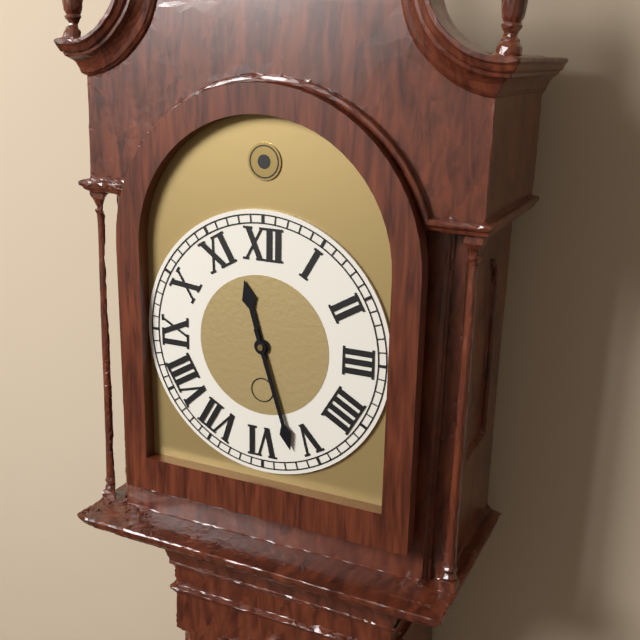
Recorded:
11 h 27 min
